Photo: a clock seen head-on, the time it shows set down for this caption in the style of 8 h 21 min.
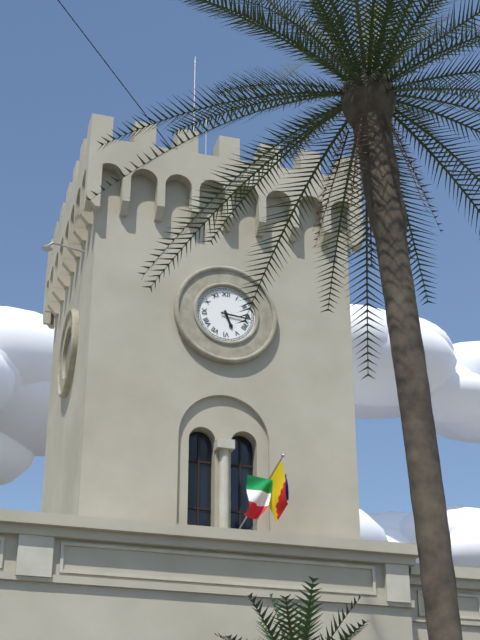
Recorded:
5 h 16 min
